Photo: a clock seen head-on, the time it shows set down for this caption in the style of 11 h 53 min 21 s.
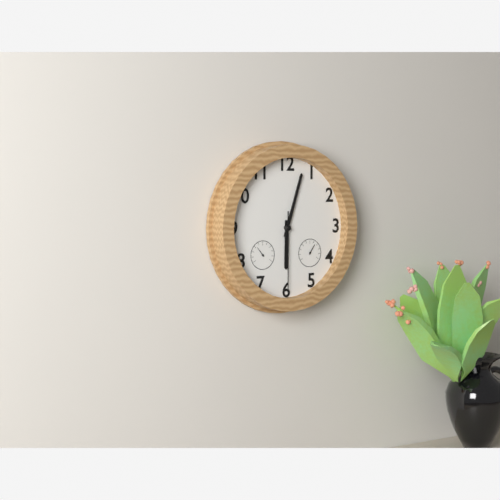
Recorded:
6 h 03 min 30 s
